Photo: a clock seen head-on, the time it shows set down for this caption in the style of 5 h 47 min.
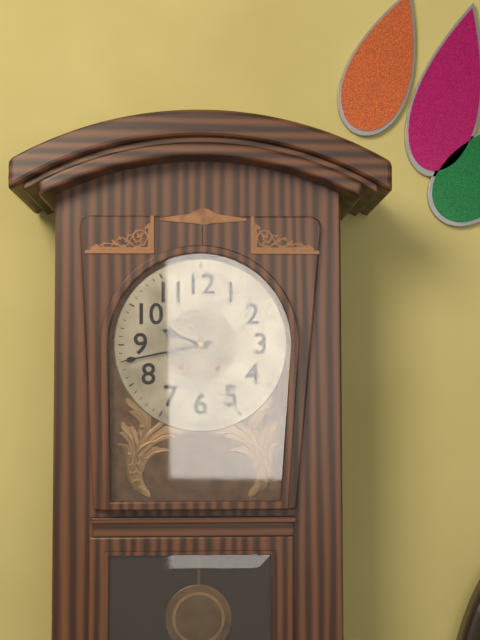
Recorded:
9 h 43 min
